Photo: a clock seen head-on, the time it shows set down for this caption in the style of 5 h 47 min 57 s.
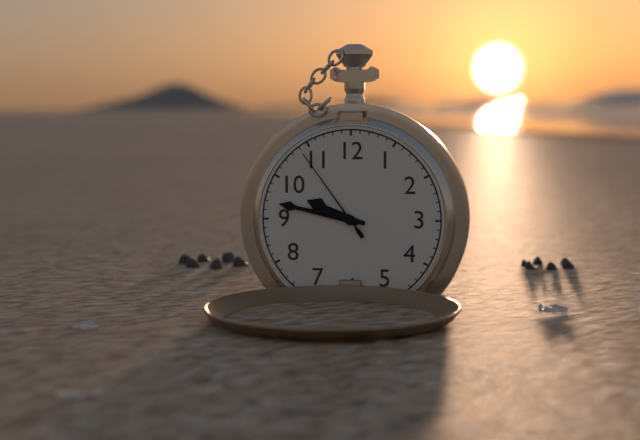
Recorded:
9 h 47 min 54 s
